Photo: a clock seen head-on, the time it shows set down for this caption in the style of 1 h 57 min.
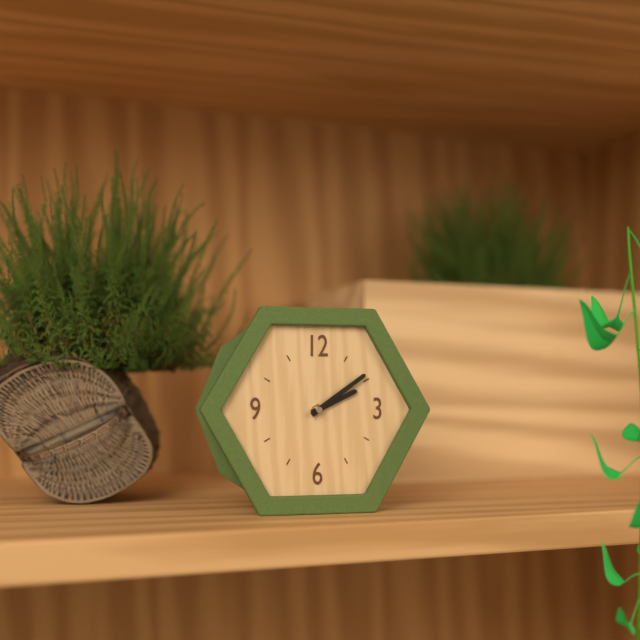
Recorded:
2 h 09 min
